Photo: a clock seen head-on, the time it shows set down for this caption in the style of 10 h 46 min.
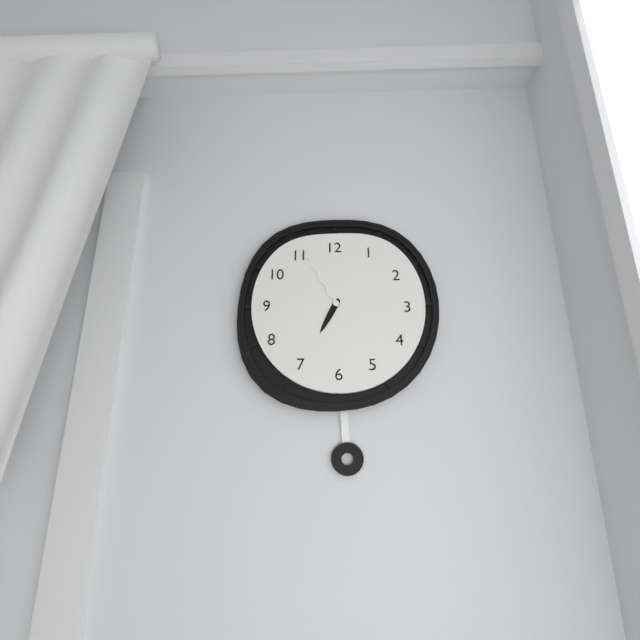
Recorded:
6 h 55 min
